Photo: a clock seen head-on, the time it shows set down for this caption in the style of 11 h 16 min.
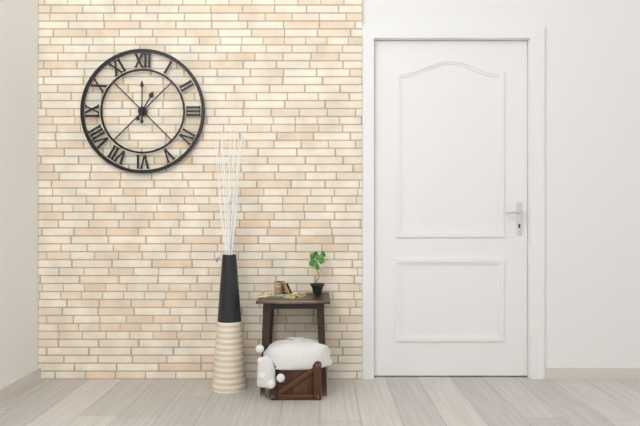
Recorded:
1 h 00 min
